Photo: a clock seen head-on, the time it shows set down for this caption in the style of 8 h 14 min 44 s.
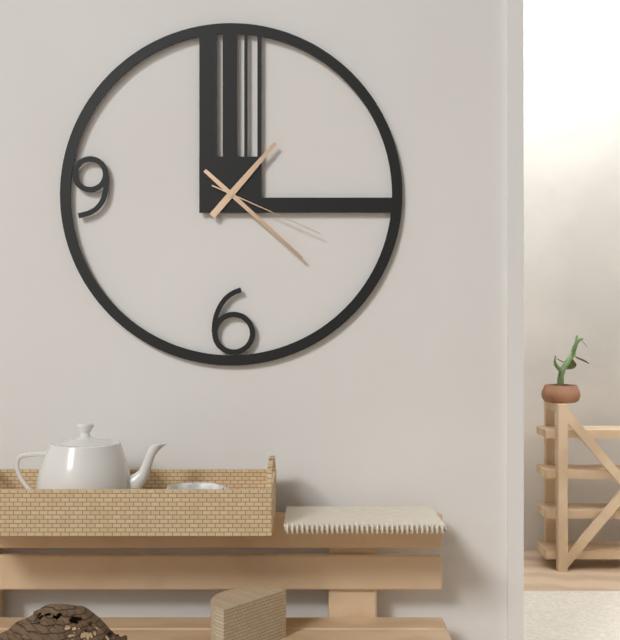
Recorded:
1 h 22 min 19 s
